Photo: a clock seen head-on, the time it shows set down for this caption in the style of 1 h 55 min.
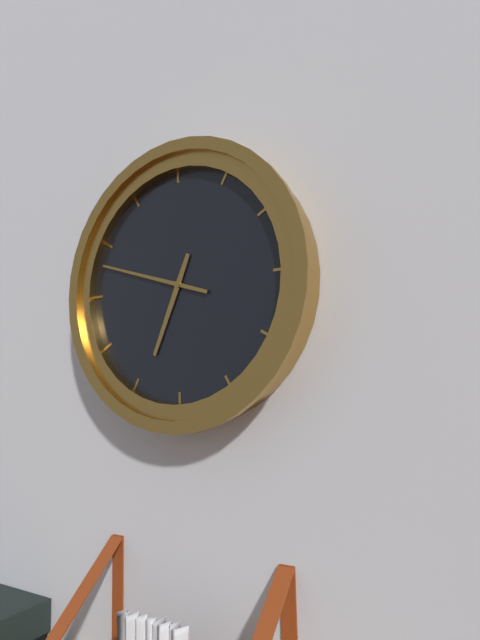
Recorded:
6 h 48 min
